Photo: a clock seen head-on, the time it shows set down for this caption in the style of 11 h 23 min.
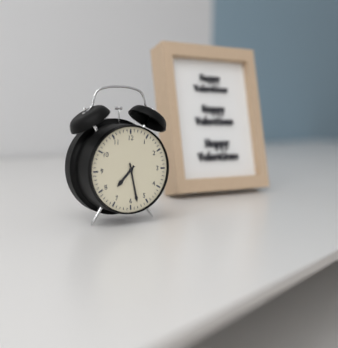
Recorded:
7 h 28 min
